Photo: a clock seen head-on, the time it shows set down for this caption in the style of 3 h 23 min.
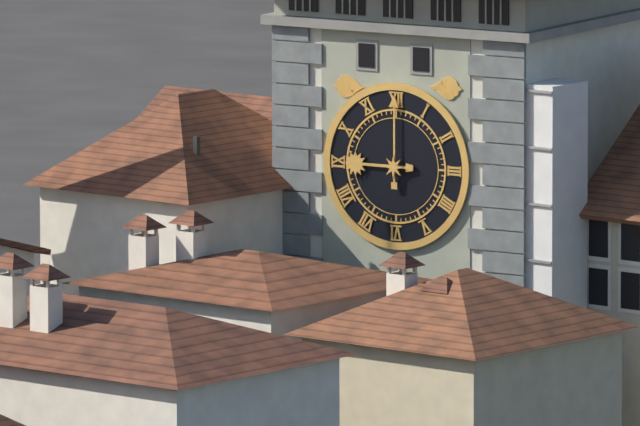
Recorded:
9 h 00 min
